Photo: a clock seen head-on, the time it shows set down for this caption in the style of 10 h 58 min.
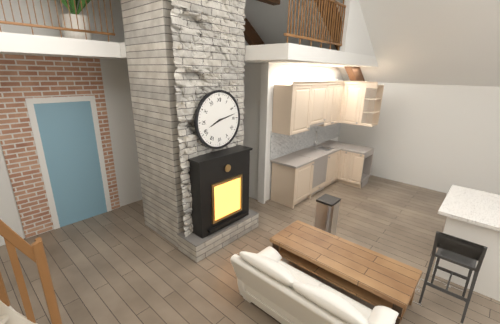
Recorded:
8 h 13 min
